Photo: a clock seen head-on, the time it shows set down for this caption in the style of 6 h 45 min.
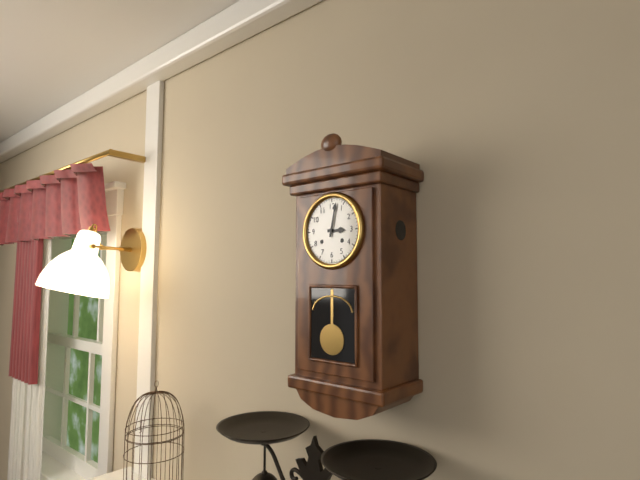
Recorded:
3 h 02 min
